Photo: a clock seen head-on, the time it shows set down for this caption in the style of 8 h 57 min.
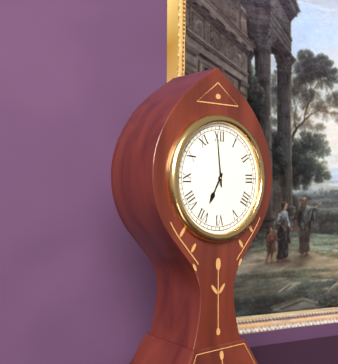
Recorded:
6 h 59 min
